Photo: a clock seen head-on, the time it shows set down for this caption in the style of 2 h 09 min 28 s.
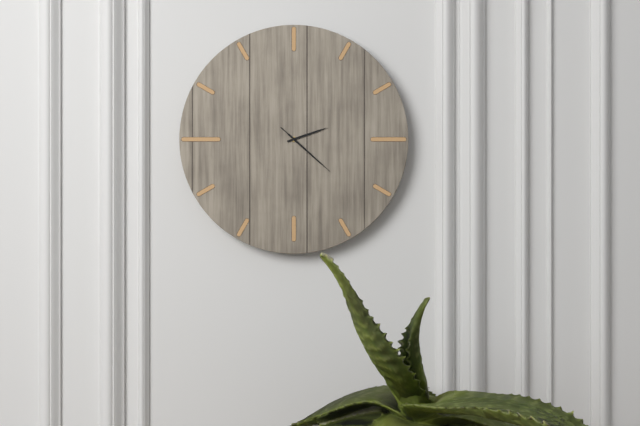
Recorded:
2 h 22 min 22 s
